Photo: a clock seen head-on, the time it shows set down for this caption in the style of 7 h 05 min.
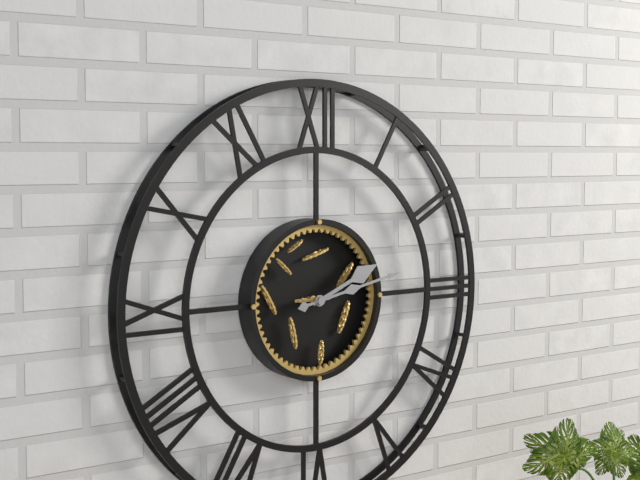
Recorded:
2 h 13 min
